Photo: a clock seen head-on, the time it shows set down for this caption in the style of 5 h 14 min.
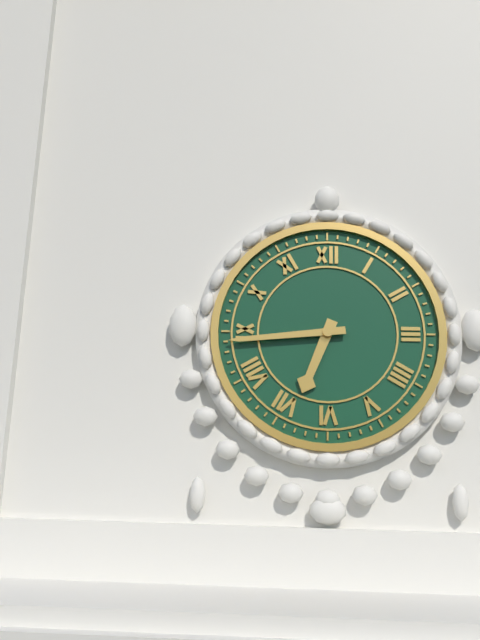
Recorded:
6 h 44 min
